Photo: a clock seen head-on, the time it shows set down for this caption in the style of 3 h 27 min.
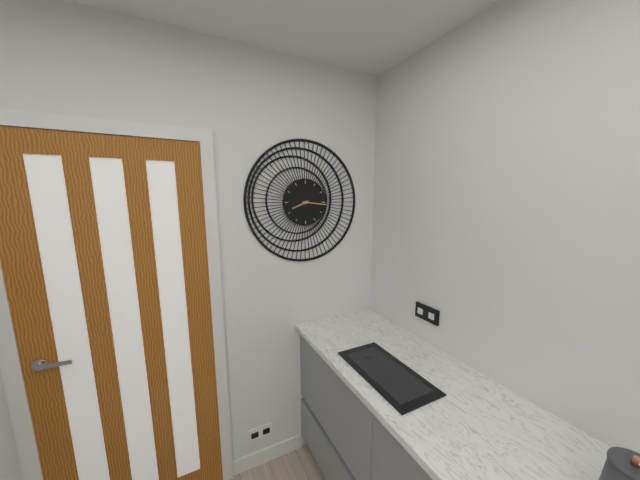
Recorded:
8 h 16 min
